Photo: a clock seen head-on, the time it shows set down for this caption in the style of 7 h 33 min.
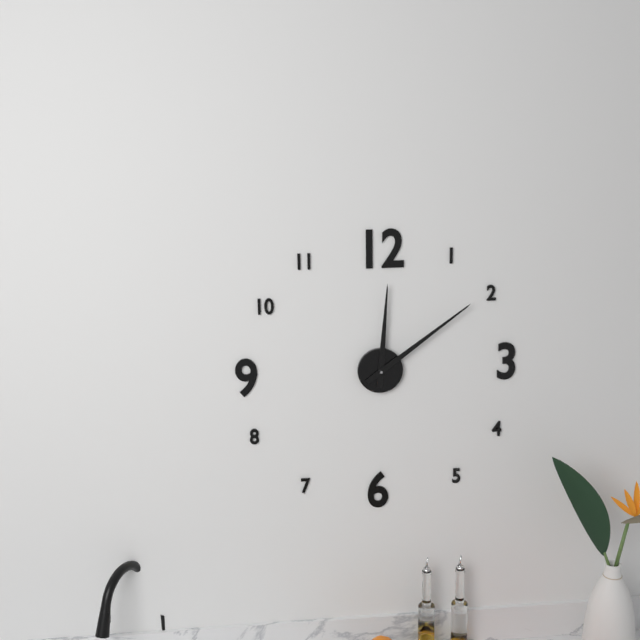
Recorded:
12 h 09 min
